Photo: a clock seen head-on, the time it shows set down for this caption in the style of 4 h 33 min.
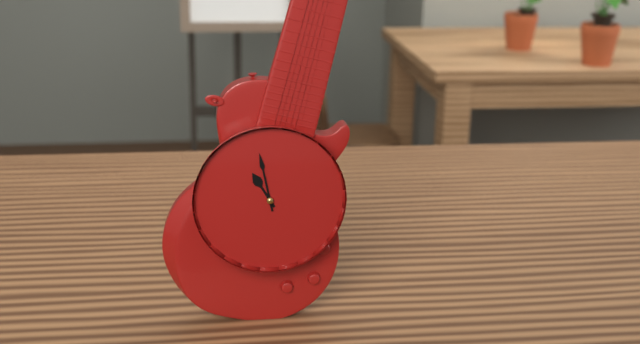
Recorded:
10 h 58 min
